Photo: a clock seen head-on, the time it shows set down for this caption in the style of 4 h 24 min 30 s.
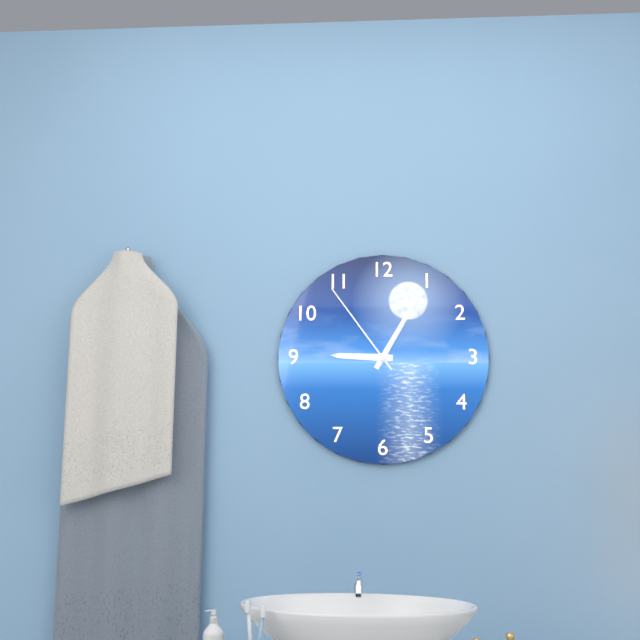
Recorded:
9 h 05 min 54 s
